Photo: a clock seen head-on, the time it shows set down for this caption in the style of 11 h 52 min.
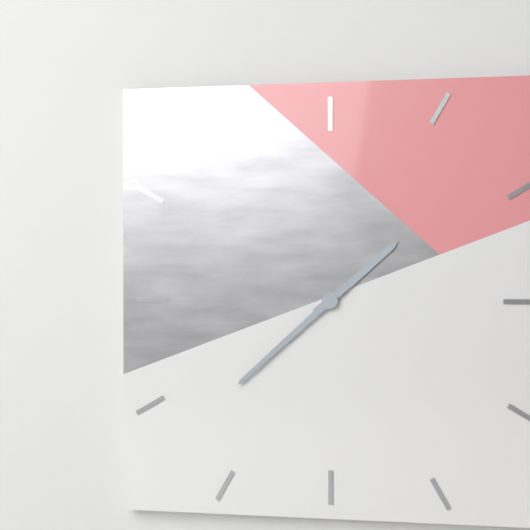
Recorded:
1 h 38 min
